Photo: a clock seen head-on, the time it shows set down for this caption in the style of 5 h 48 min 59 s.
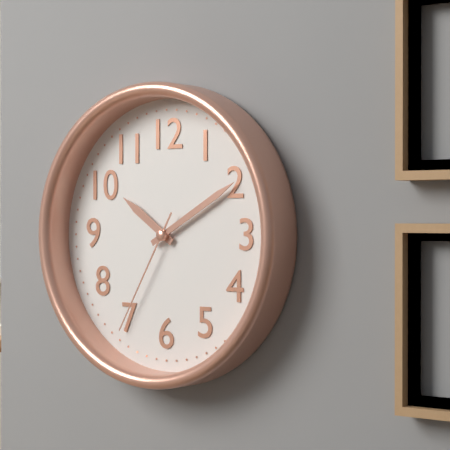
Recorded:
10 h 10 min 35 s
